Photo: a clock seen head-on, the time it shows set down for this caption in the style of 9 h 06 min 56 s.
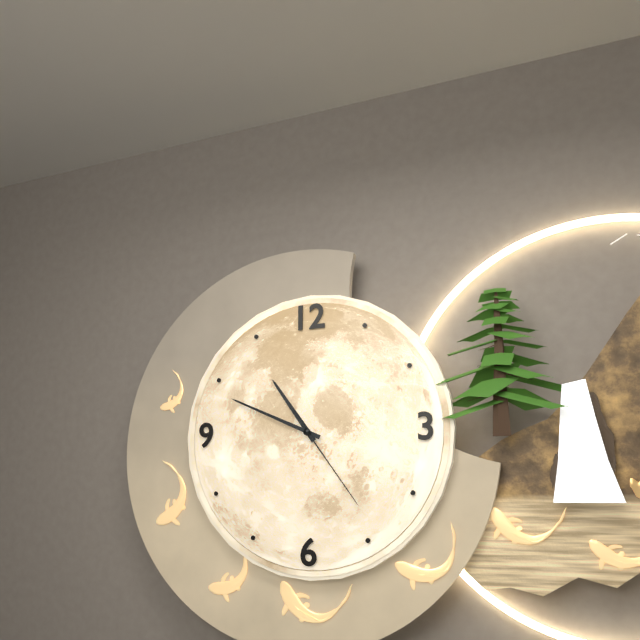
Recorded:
10 h 49 min 24 s
